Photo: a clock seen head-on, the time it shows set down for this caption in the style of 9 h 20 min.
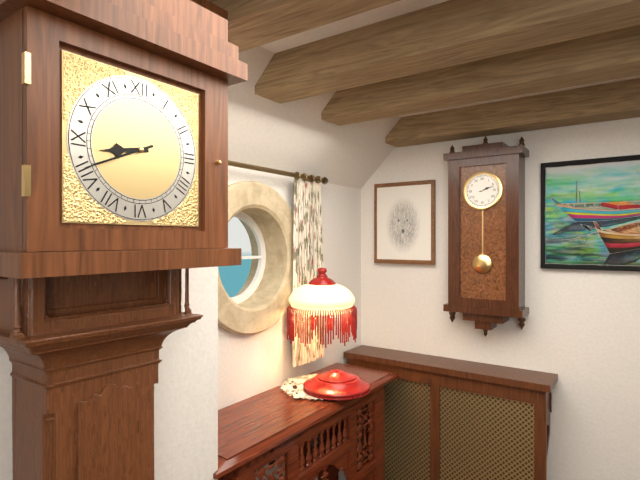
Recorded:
8 h 41 min
